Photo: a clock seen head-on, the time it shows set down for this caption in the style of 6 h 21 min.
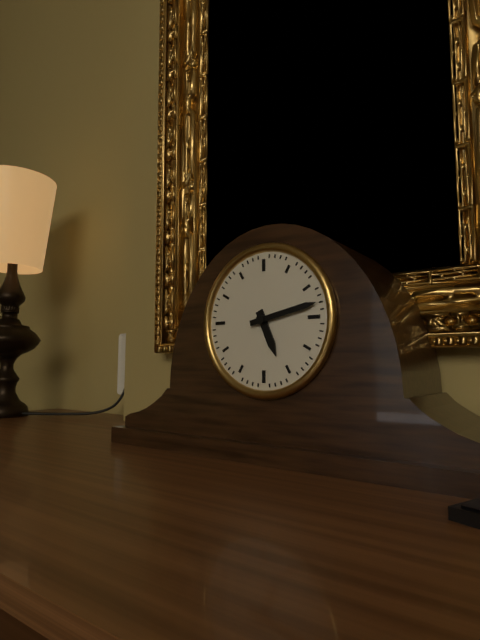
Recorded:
5 h 13 min
